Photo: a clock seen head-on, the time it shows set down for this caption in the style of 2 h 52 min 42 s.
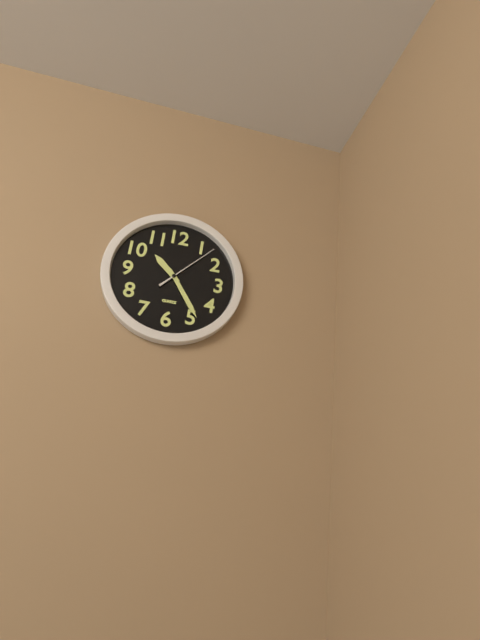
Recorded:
10 h 24 min 07 s
